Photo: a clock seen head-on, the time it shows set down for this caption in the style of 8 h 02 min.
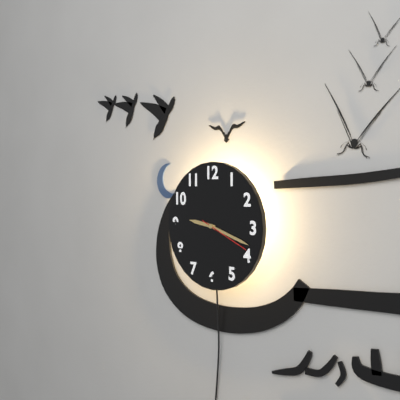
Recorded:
9 h 18 min
